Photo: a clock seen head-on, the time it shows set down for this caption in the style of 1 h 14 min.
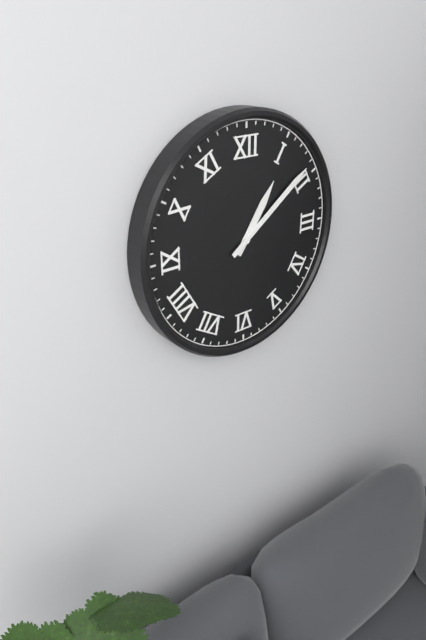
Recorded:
1 h 09 min
